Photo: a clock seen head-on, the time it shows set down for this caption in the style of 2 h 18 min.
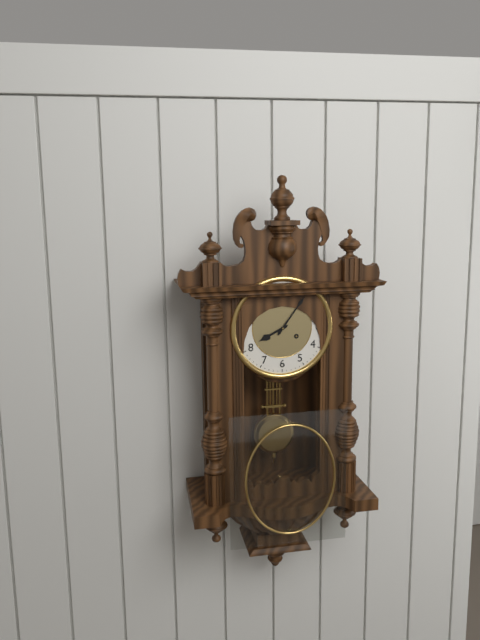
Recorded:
8 h 06 min
